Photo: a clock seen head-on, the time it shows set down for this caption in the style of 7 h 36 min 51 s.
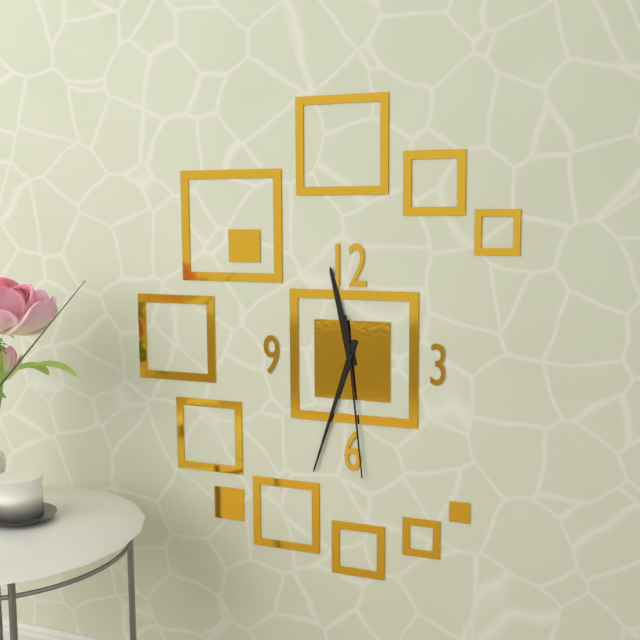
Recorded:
11 h 33 min 29 s
